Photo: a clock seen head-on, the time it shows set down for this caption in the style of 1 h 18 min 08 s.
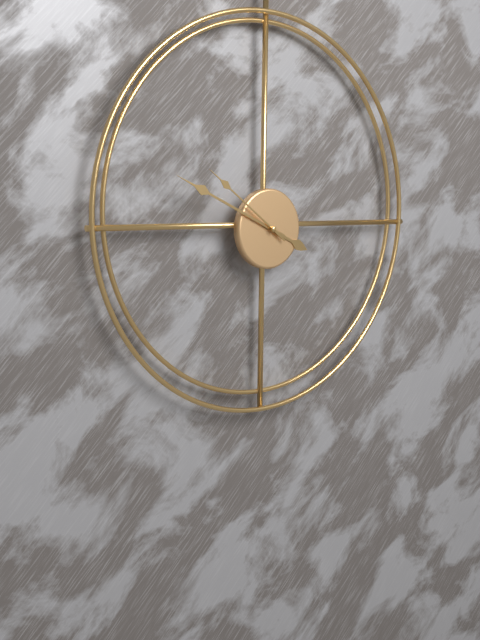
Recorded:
3 h 49 min 51 s
